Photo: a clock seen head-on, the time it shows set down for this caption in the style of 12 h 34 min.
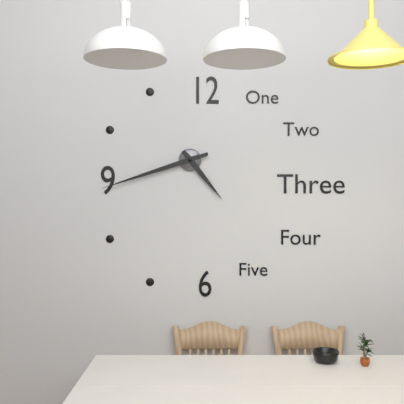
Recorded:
4 h 42 min
